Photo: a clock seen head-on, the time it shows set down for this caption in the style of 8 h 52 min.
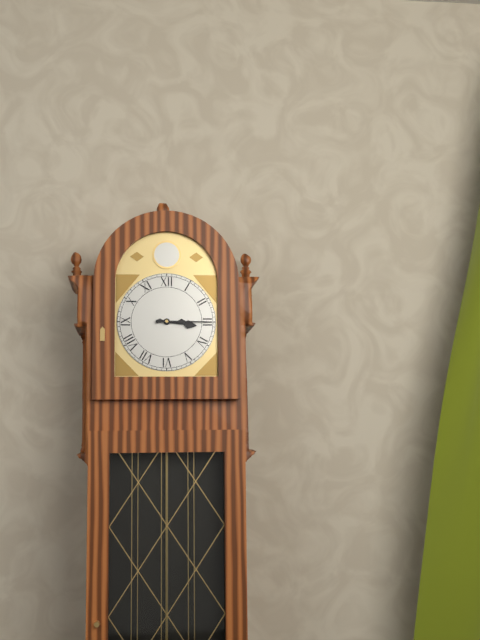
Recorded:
3 h 15 min
